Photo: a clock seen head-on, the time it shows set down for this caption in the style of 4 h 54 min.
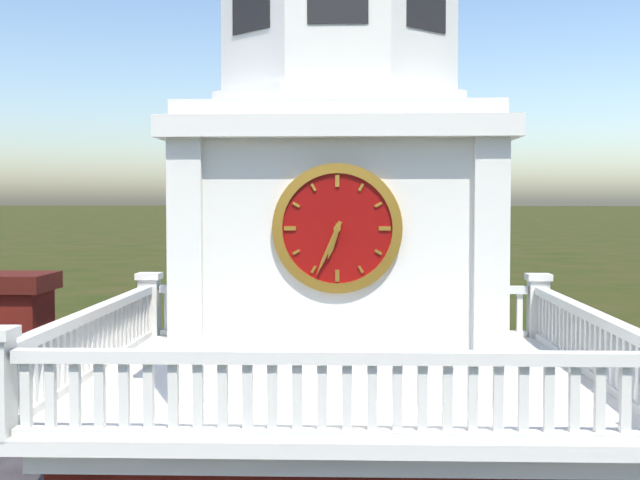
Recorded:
6 h 34 min
